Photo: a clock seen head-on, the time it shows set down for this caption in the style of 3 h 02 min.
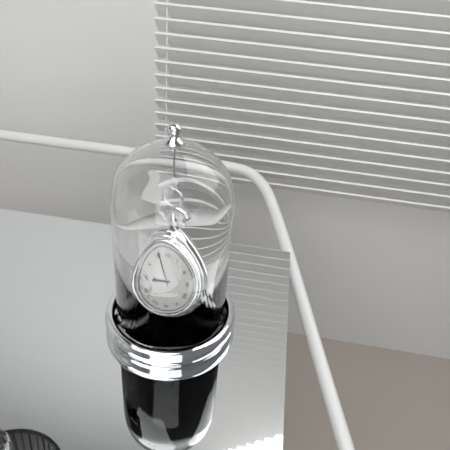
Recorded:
8 h 56 min
